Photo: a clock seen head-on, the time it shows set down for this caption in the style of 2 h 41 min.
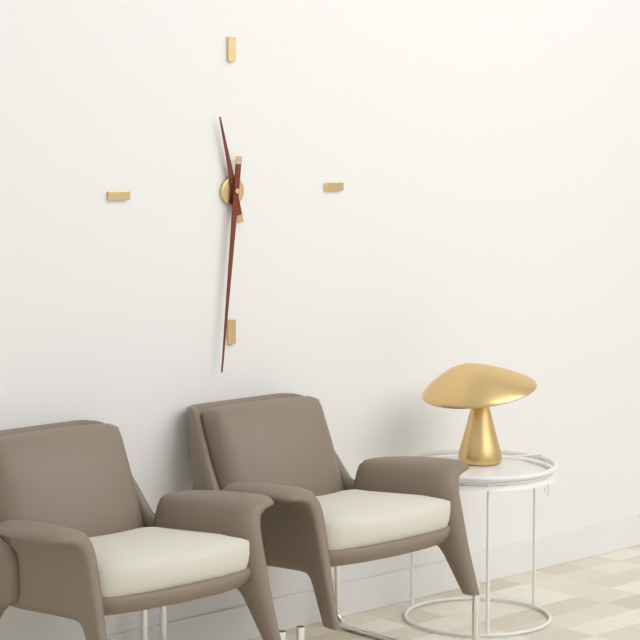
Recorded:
11 h 31 min
